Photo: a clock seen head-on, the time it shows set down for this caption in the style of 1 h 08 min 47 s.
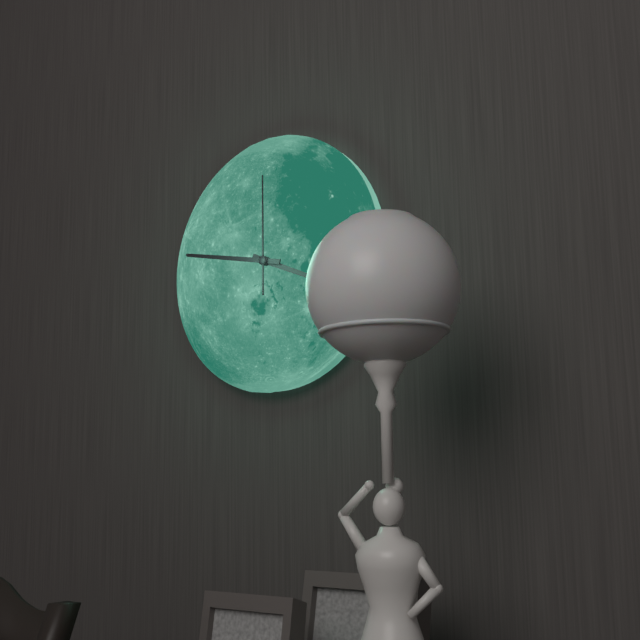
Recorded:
3 h 47 min 00 s
